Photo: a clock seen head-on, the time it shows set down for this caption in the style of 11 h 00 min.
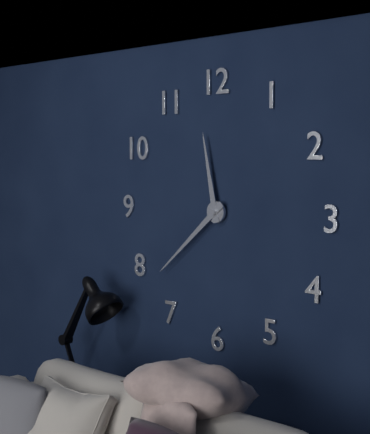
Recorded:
11 h 38 min
